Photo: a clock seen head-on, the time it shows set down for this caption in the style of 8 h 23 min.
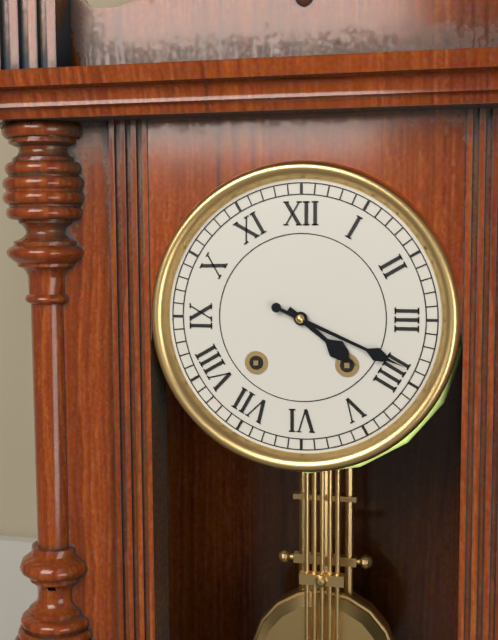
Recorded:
4 h 19 min
